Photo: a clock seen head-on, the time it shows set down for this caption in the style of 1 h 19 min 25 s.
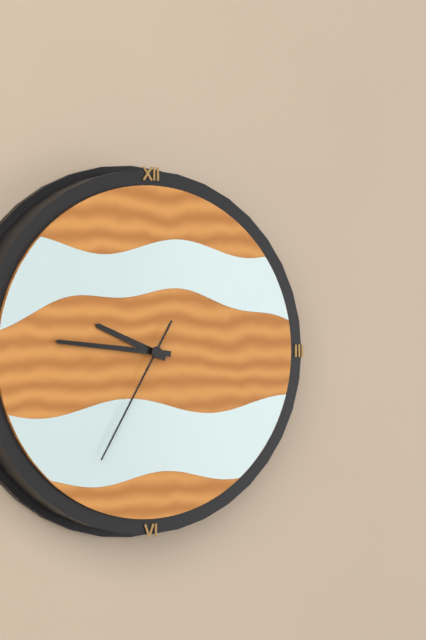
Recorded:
9 h 46 min 35 s
